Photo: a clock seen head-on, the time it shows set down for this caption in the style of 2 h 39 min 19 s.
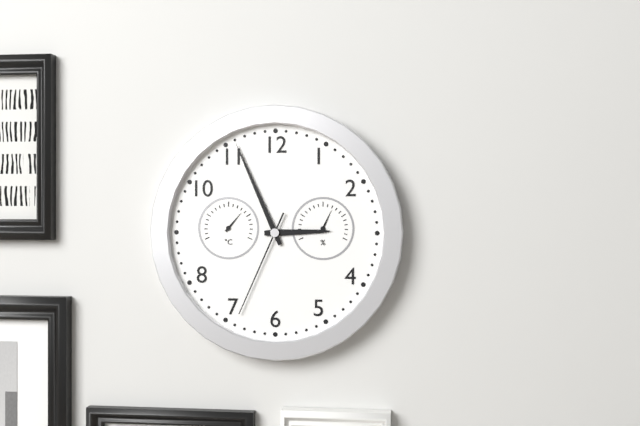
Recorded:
2 h 56 min 34 s
